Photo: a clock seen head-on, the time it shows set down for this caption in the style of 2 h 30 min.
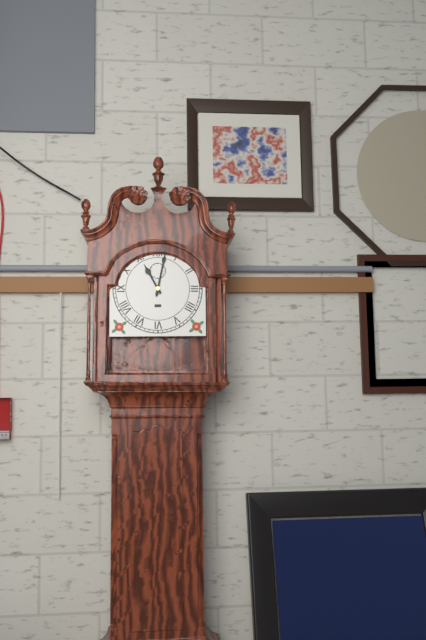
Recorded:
11 h 02 min
